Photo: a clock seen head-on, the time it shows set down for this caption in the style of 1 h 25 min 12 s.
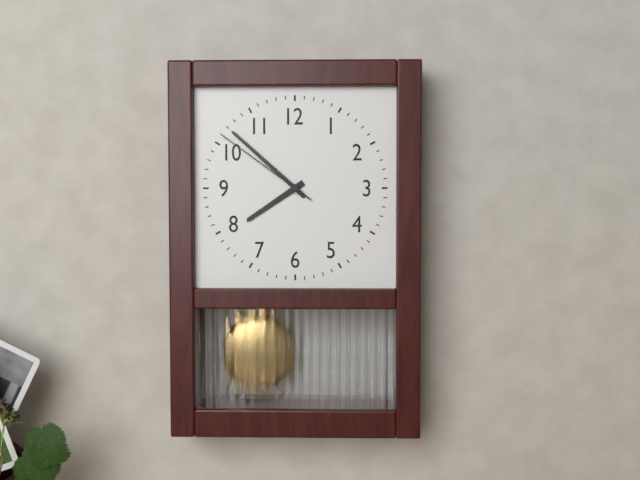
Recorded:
7 h 52 min 51 s
